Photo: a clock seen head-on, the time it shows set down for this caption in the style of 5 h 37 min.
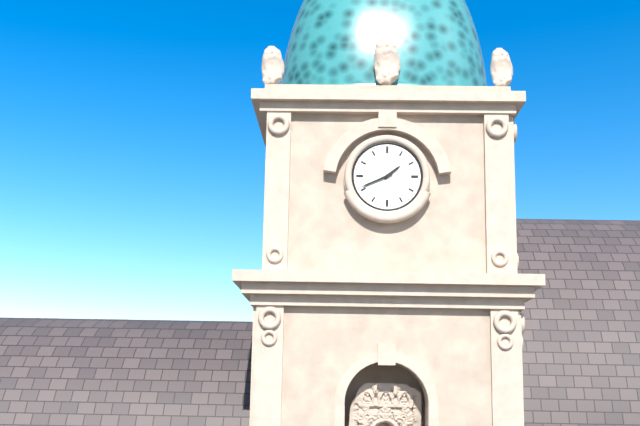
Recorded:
1 h 41 min
